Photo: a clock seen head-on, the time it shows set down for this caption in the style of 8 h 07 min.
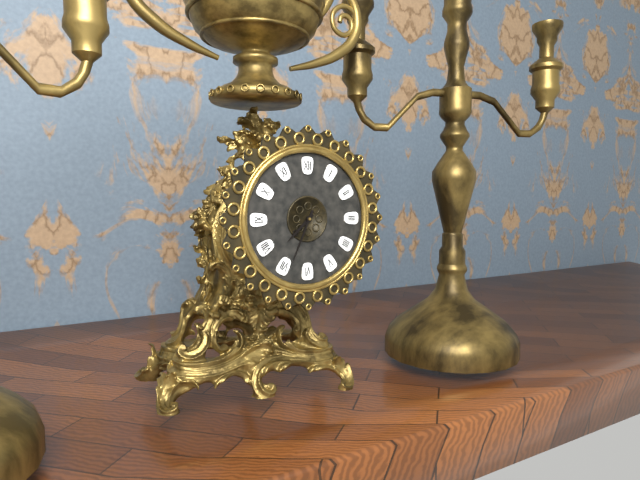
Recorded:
7 h 34 min
